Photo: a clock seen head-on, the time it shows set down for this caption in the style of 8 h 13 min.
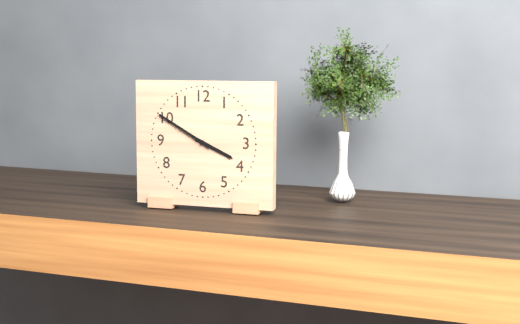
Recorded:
3 h 50 min
